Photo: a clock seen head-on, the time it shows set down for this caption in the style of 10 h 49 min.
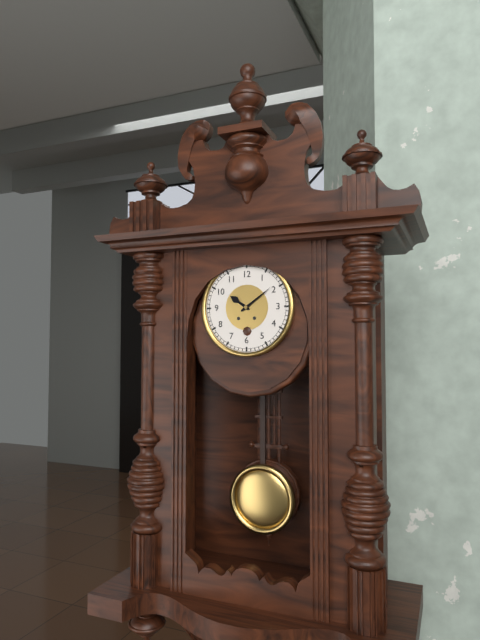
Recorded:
10 h 09 min
